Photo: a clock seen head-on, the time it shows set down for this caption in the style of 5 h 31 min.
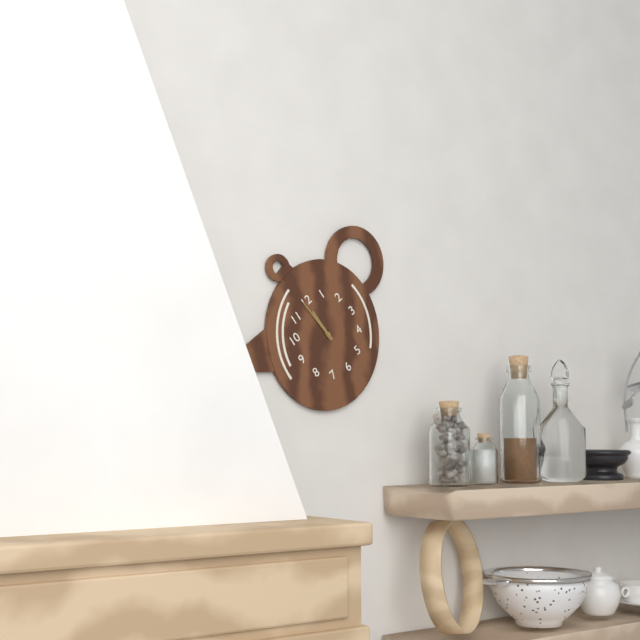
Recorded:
11 h 59 min
